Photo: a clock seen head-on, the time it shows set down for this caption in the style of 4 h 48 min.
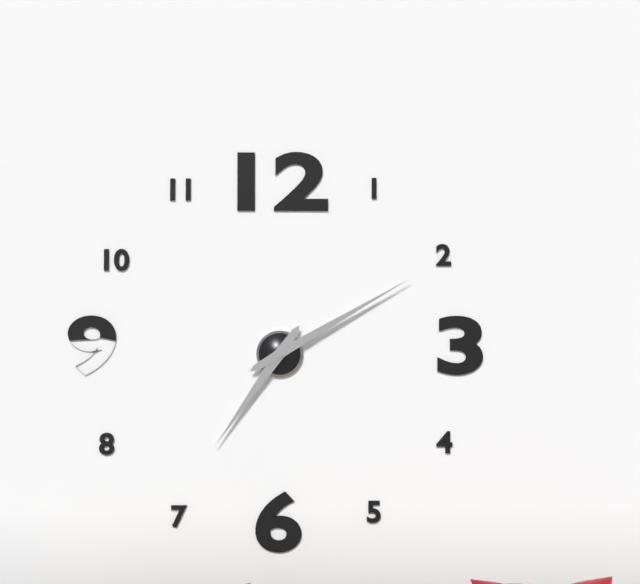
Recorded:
7 h 10 min
